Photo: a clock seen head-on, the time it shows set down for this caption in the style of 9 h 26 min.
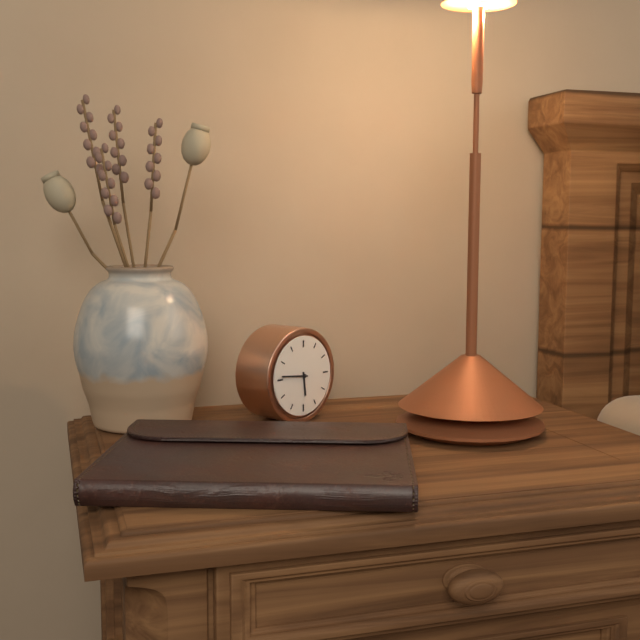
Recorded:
5 h 46 min
